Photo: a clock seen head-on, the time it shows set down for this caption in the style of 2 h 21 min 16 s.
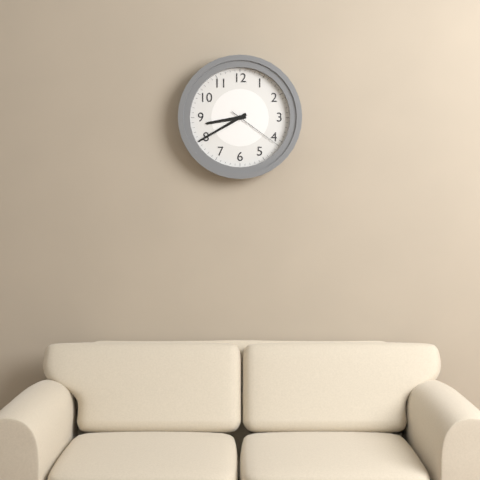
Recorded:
8 h 40 min 21 s
